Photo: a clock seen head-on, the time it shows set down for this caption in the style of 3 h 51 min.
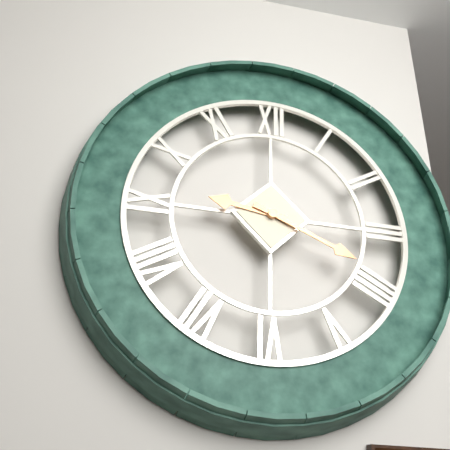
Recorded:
9 h 19 min
